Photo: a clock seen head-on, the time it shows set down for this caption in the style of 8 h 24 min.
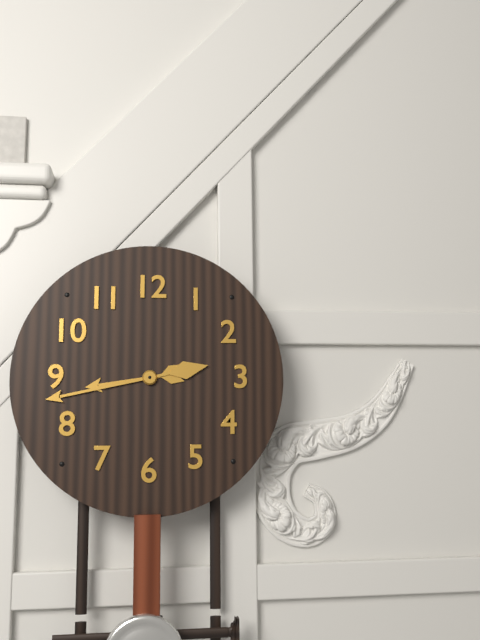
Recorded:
8 h 43 min
